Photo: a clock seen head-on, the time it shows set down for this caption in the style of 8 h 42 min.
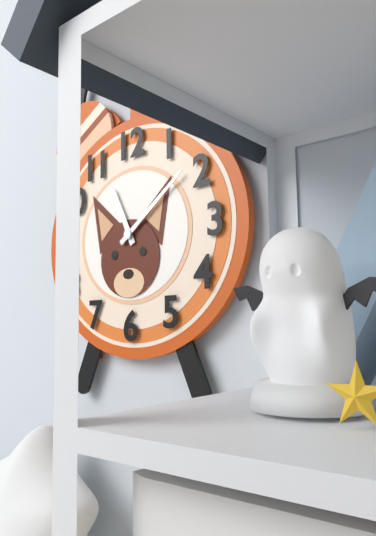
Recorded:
11 h 09 min
